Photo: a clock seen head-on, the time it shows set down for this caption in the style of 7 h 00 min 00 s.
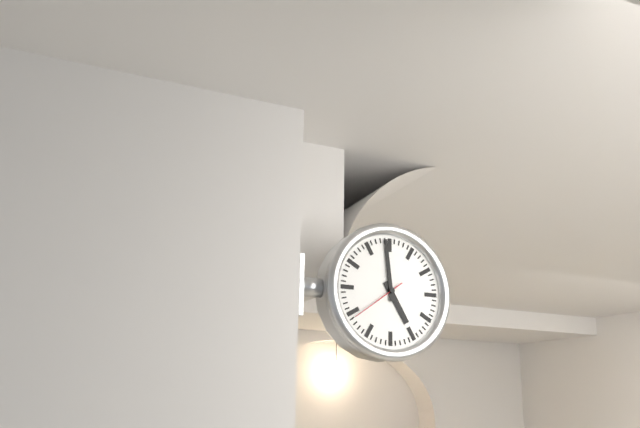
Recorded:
4 h 59 min 39 s
